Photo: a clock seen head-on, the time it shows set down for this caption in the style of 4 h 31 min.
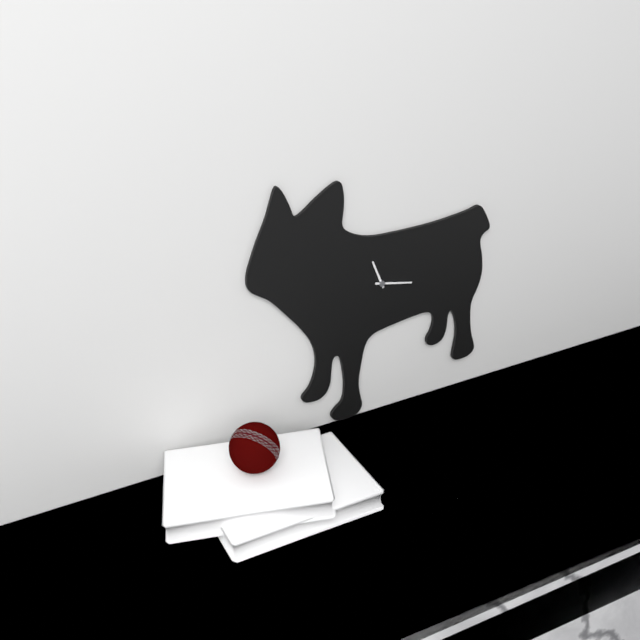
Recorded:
11 h 17 min
